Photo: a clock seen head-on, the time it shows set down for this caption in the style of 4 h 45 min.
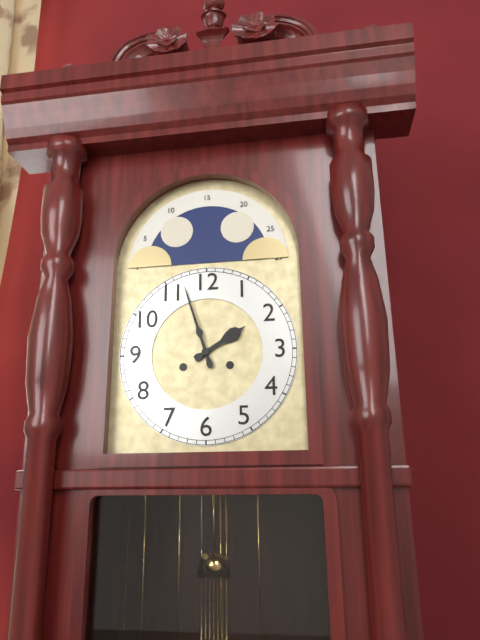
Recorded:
1 h 57 min
